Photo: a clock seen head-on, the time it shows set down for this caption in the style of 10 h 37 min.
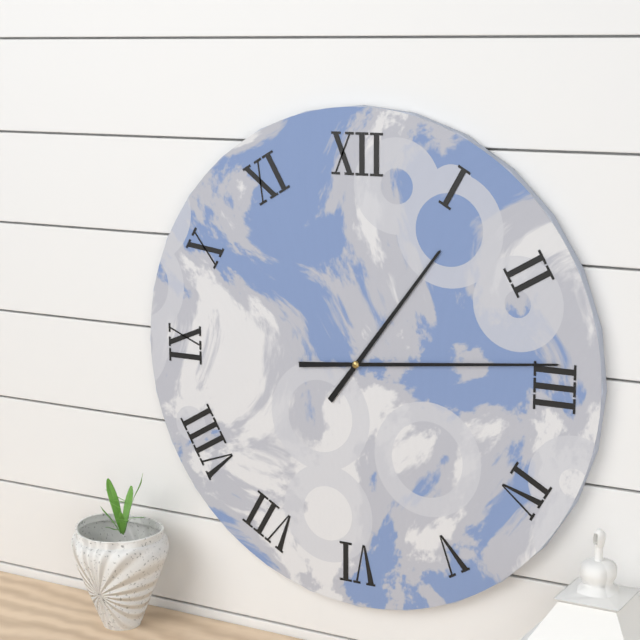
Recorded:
1 h 14 min
